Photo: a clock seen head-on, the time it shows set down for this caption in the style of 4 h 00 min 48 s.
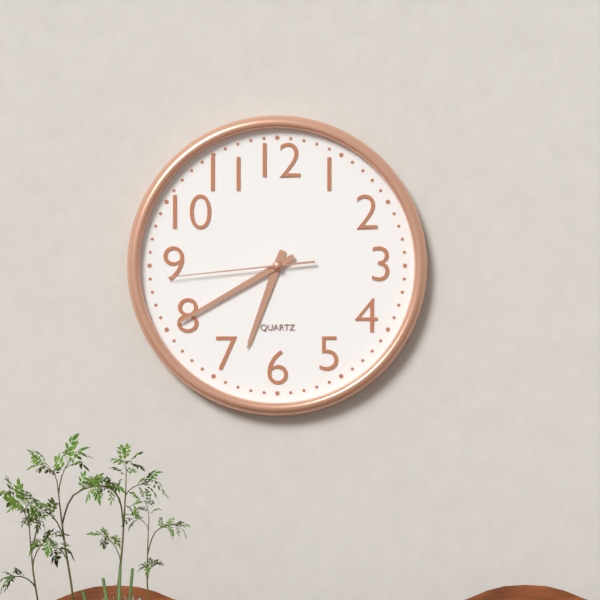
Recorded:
6 h 40 min 44 s
